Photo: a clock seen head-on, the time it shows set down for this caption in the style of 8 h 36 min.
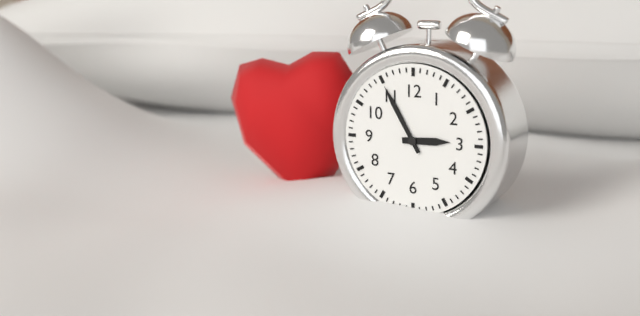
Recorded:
2 h 55 min
